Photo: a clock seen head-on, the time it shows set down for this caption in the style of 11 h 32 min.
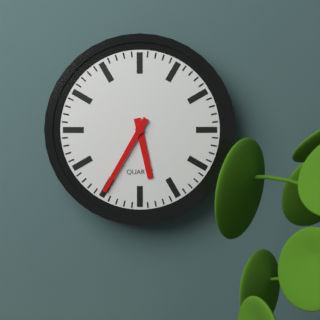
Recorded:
5 h 35 min
